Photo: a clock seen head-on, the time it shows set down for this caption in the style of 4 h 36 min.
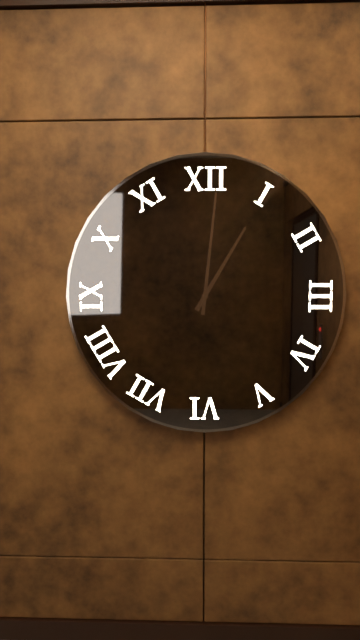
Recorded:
1 h 01 min
